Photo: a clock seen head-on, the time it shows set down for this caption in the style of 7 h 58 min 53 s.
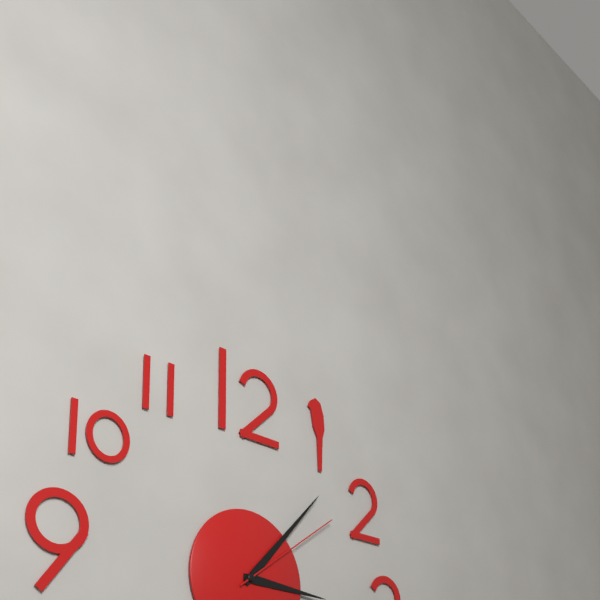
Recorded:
3 h 07 min 09 s
